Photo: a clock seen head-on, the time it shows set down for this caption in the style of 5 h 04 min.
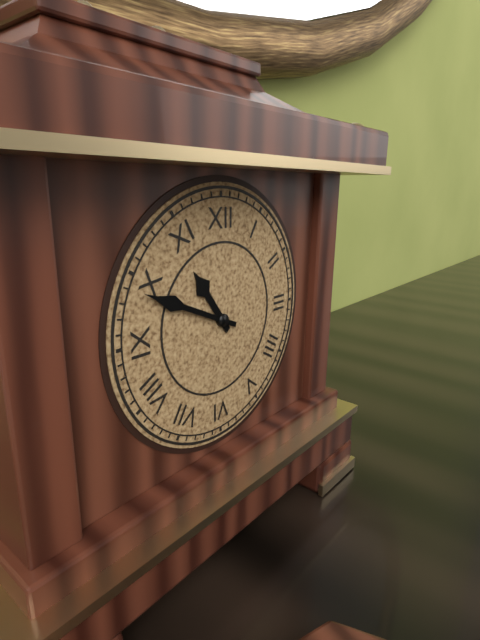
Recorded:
10 h 49 min
